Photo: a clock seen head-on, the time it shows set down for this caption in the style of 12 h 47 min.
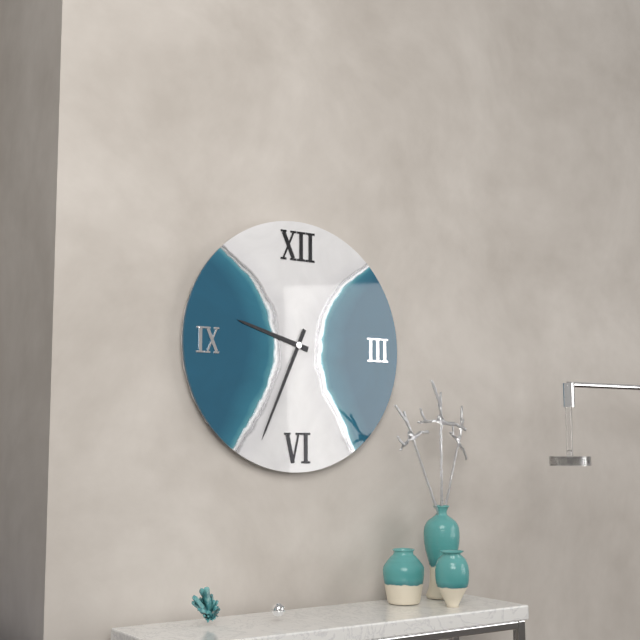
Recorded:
9 h 34 min
